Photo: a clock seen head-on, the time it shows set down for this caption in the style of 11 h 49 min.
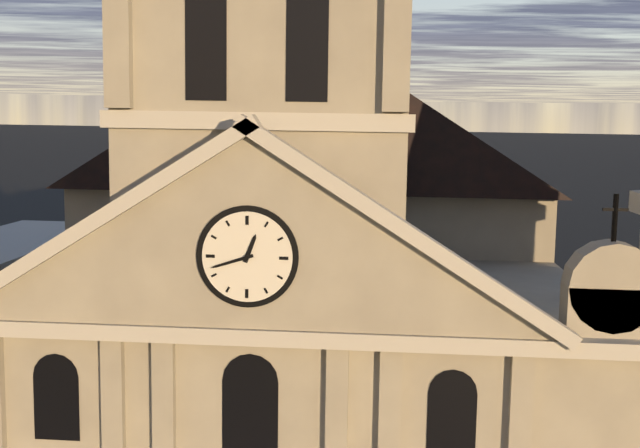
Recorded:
12 h 42 min
